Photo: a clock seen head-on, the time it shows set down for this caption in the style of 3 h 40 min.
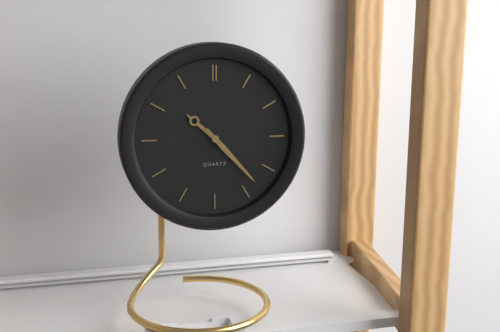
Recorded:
10 h 23 min
